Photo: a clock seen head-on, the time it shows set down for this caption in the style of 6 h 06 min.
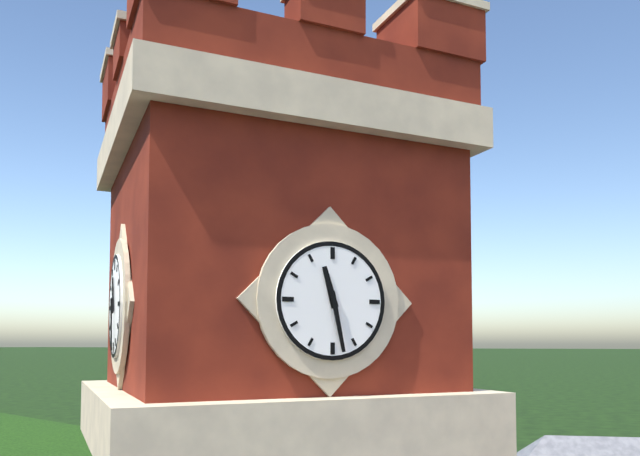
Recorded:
11 h 28 min
